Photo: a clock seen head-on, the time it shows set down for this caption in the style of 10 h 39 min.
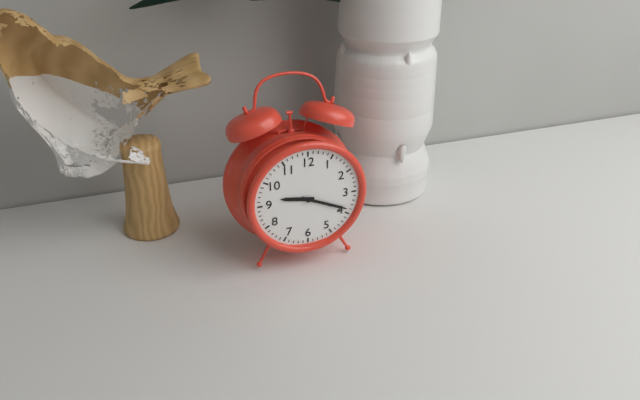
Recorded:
9 h 19 min
